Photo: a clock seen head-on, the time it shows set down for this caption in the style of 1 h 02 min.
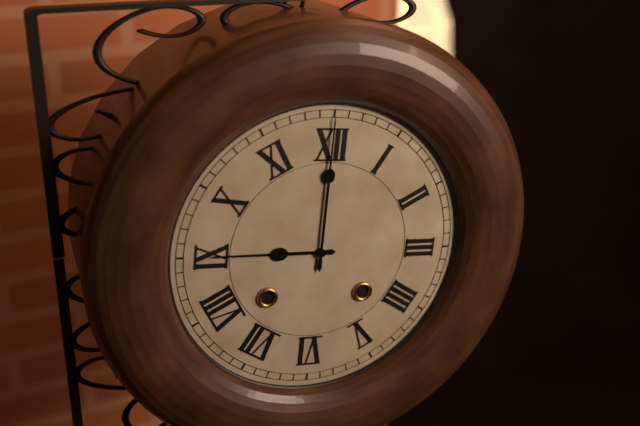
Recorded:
9 h 00 min
